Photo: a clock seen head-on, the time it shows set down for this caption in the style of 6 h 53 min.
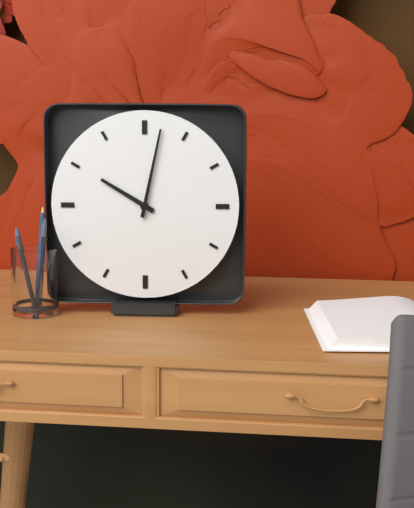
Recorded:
10 h 02 min
